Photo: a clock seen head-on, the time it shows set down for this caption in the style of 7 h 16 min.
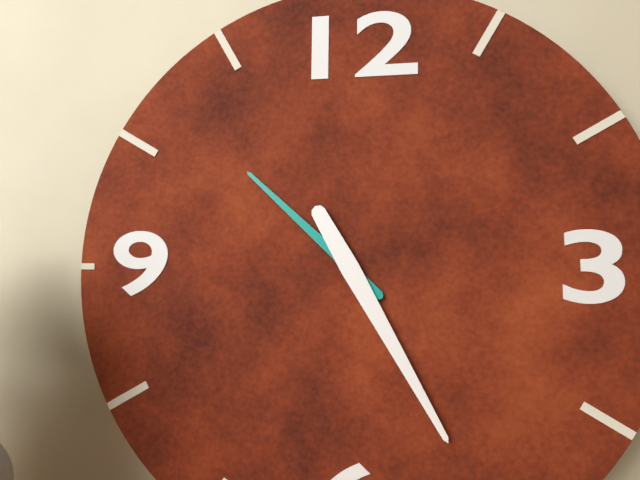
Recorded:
10 h 25 min
